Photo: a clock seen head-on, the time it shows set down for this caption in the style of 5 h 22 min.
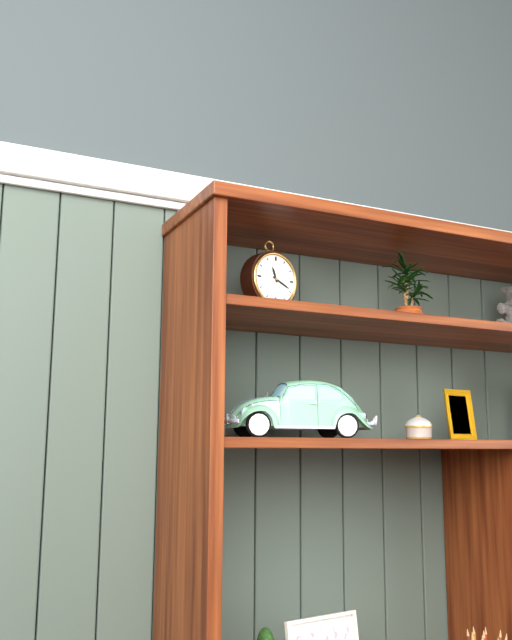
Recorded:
11 h 19 min
